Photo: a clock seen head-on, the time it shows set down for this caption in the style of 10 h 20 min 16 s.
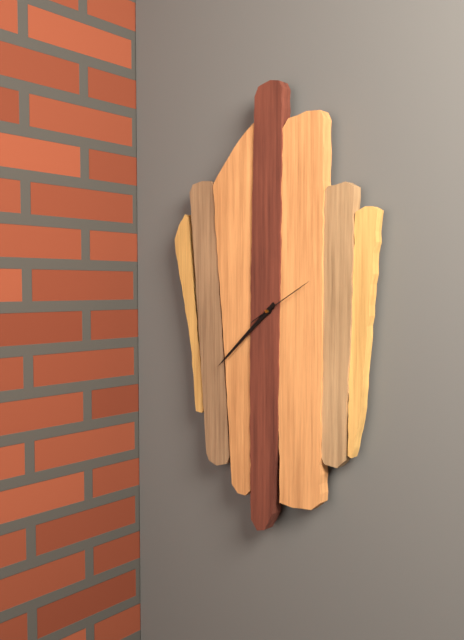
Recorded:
7 h 38 min 10 s
